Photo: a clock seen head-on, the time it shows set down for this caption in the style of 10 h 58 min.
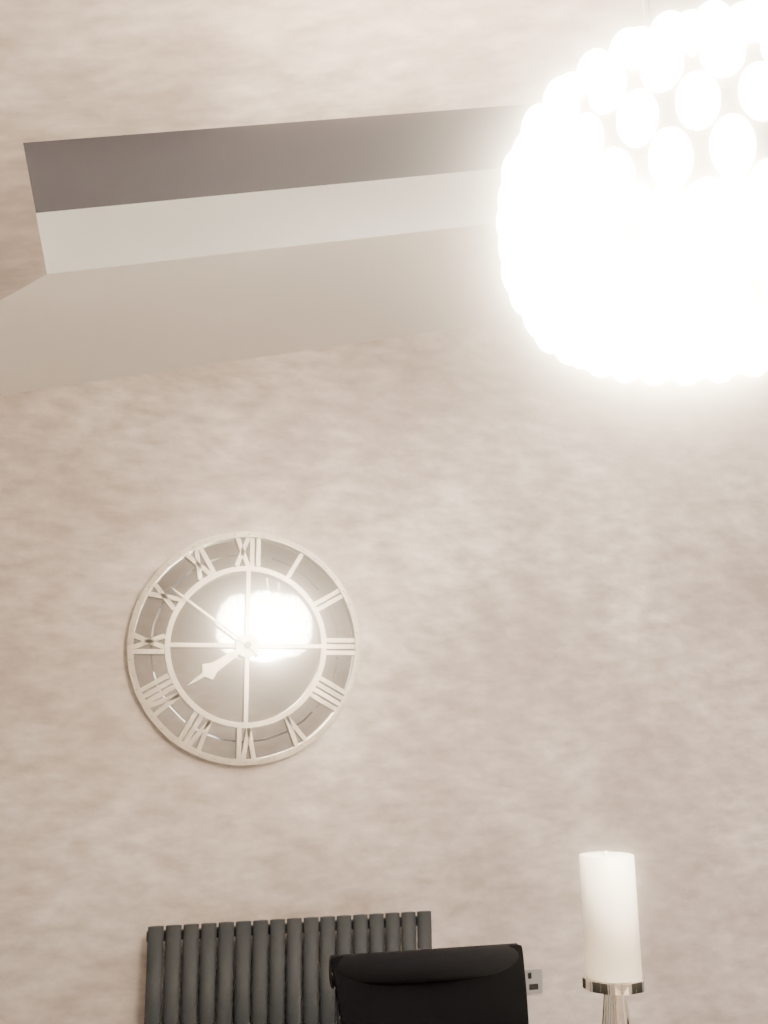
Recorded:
7 h 51 min
